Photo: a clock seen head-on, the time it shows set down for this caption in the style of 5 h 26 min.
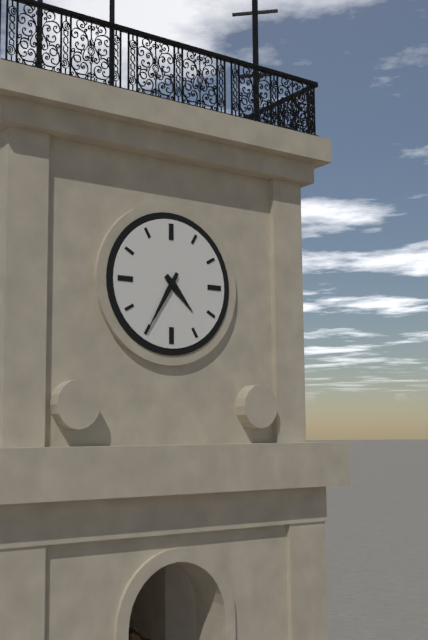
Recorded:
4 h 35 min
